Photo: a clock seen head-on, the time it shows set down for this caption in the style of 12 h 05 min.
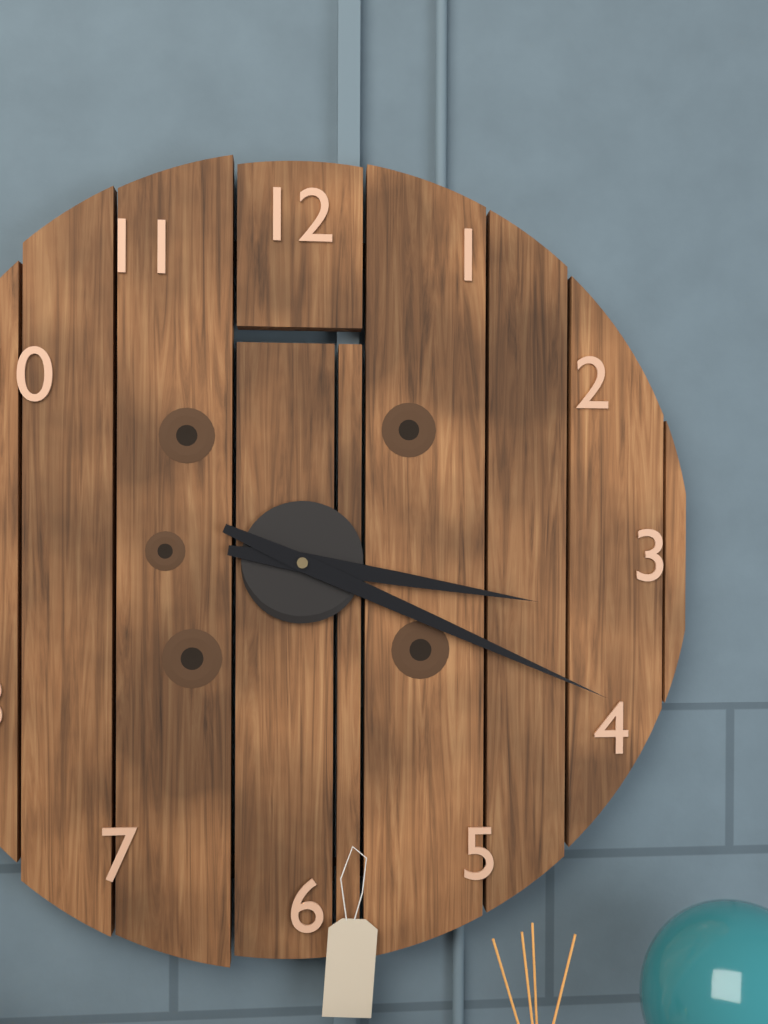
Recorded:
3 h 19 min
